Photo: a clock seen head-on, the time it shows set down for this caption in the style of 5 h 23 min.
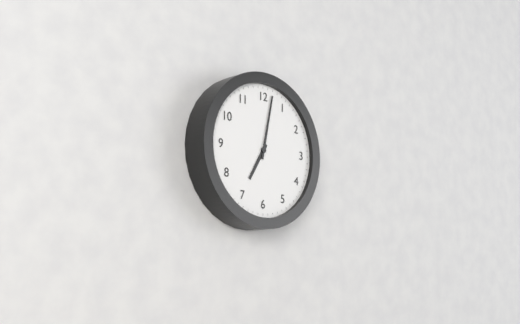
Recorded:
7 h 02 min
